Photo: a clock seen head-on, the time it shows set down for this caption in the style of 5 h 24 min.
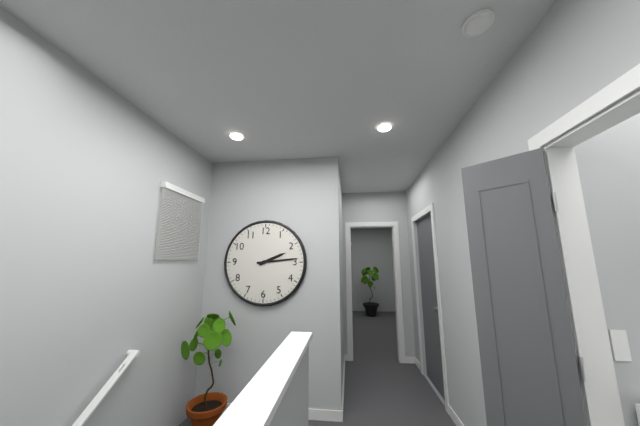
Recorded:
2 h 14 min
